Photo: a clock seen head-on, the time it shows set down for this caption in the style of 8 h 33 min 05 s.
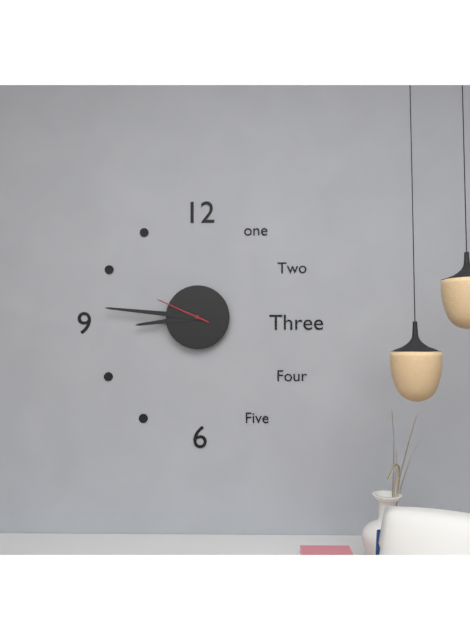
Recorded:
8 h 46 min 49 s
